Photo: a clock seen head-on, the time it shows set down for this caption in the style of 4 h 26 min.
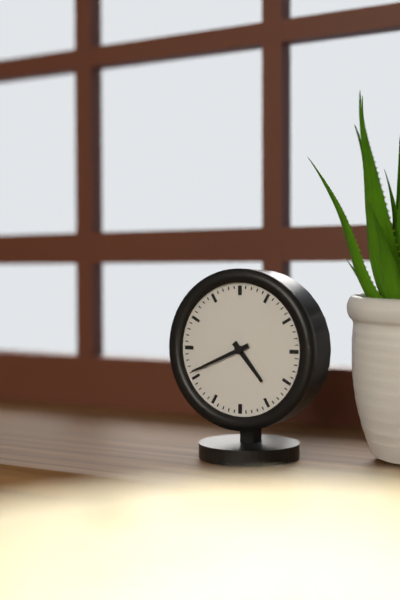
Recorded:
4 h 41 min
